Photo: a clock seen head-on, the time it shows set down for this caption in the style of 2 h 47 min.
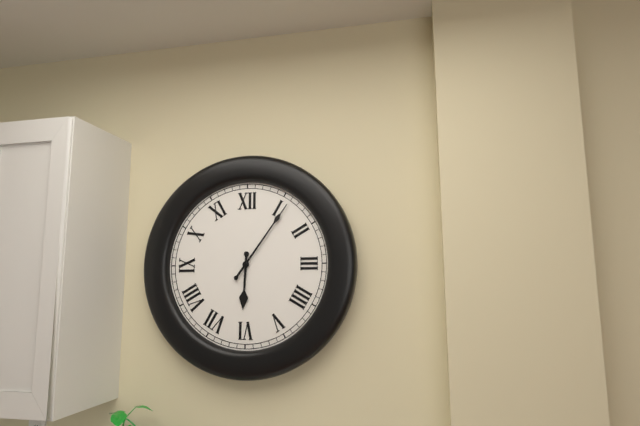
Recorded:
6 h 06 min
